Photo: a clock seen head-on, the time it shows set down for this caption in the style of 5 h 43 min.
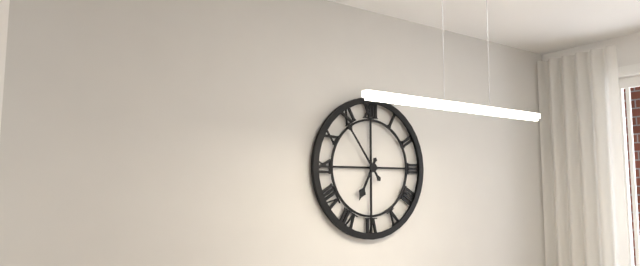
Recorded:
6 h 54 min
